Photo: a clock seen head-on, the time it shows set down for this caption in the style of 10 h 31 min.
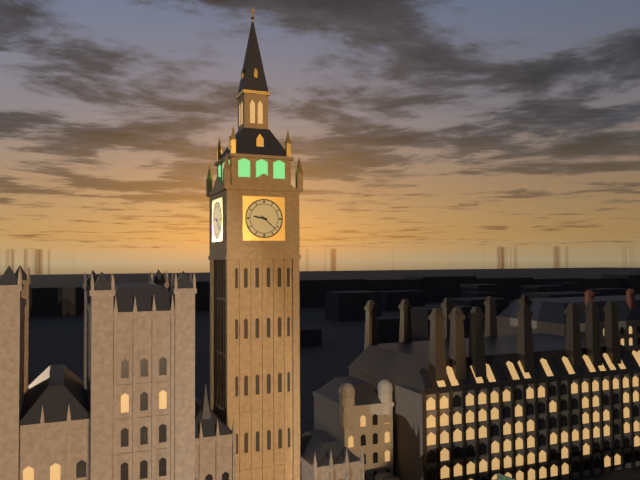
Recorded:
9 h 22 min
